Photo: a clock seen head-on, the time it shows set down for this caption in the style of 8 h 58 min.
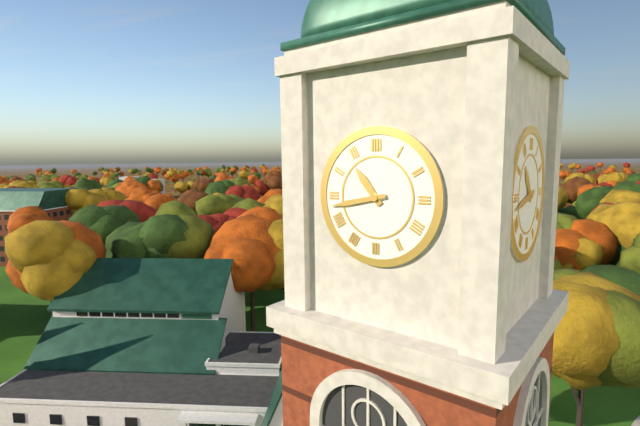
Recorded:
10 h 43 min
